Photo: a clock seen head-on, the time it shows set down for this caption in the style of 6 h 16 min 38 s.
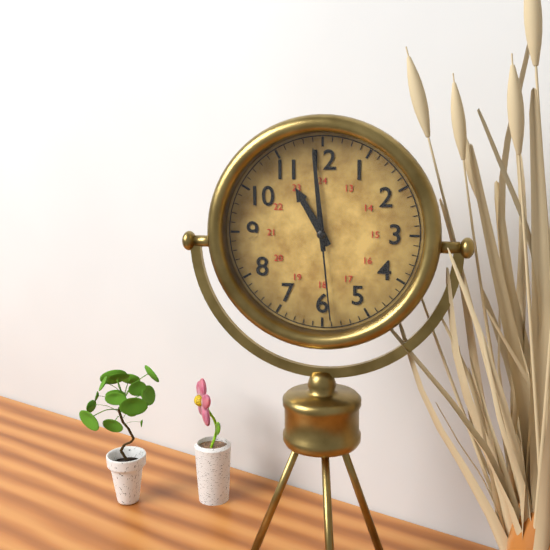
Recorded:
10 h 59 min 29 s
